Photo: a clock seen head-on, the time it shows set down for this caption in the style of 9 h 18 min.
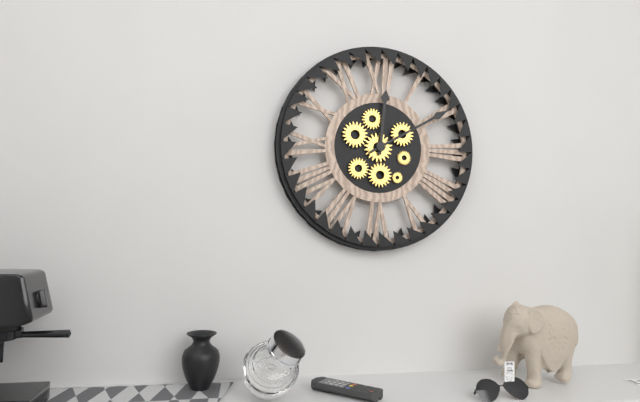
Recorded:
12 h 10 min
